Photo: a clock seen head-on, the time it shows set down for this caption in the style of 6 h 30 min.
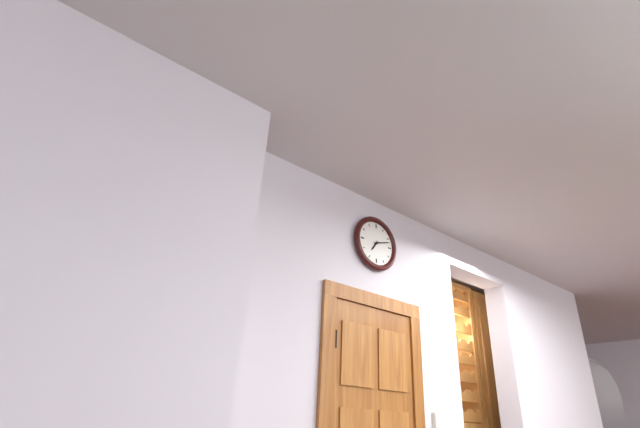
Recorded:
7 h 12 min
